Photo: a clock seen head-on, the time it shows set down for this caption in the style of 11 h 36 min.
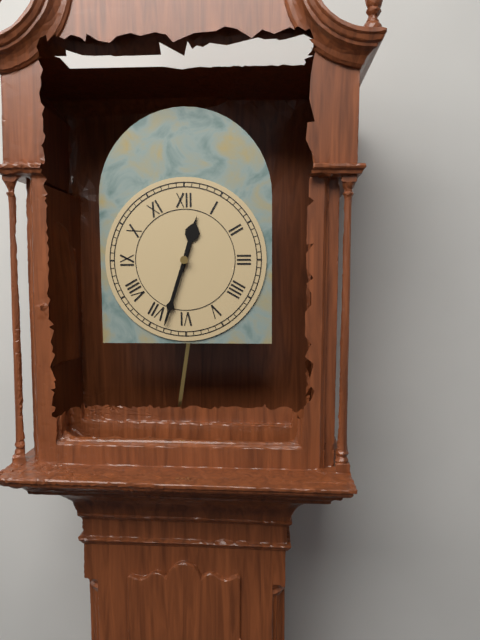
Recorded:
12 h 33 min
